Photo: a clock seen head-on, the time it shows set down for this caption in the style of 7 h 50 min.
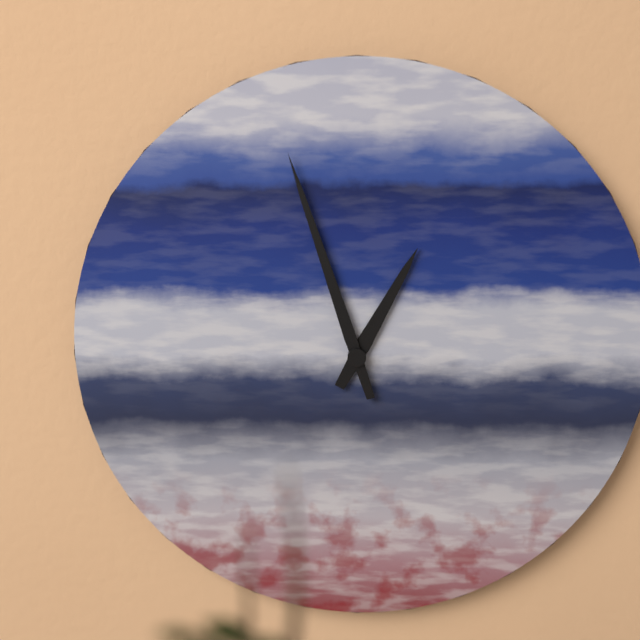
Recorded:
12 h 57 min
